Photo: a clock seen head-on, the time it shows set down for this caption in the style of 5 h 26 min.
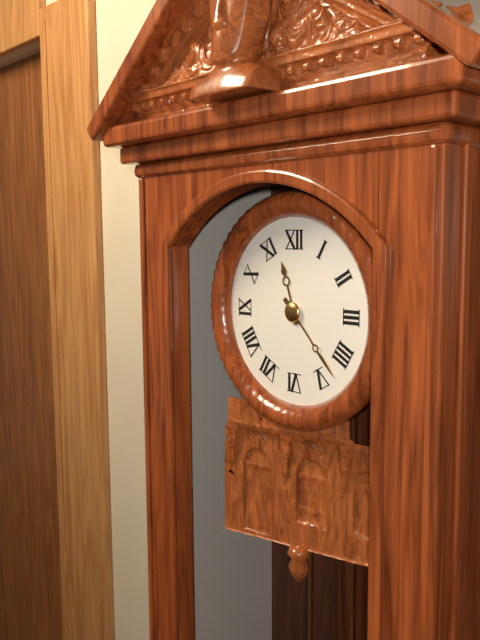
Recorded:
11 h 23 min
